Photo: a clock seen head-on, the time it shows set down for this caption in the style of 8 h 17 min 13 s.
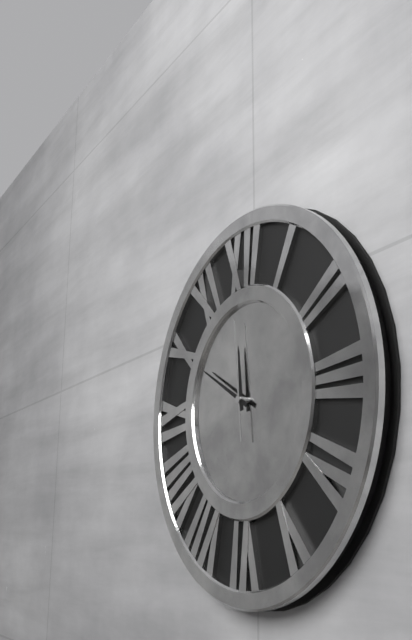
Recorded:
11 h 50 min 59 s
